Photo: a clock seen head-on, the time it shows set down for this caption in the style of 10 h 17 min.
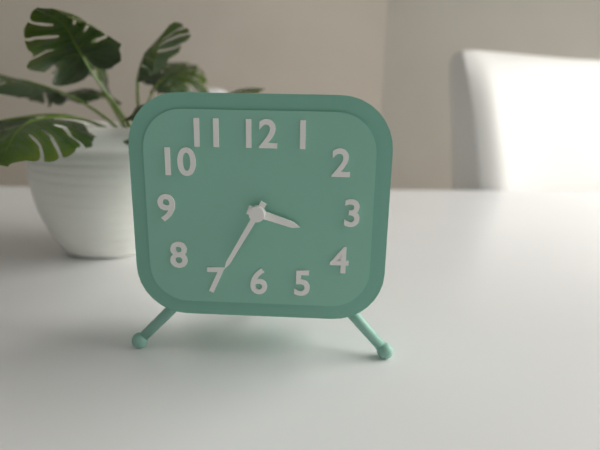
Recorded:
3 h 35 min
